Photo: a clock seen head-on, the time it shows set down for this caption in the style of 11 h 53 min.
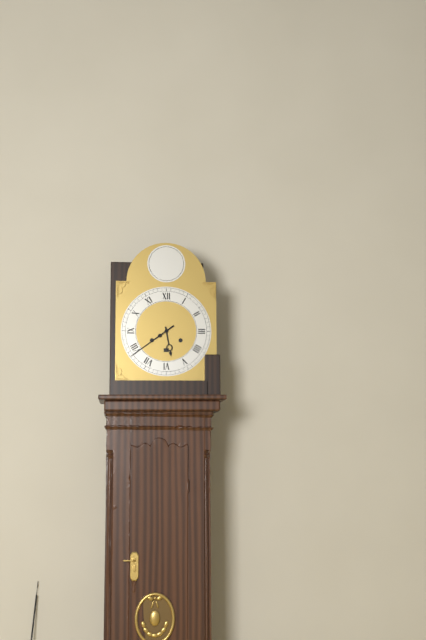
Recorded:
5 h 39 min
